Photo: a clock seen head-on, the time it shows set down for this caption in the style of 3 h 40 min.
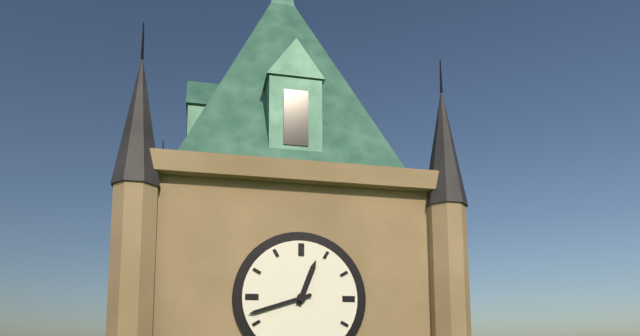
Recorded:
12 h 42 min
